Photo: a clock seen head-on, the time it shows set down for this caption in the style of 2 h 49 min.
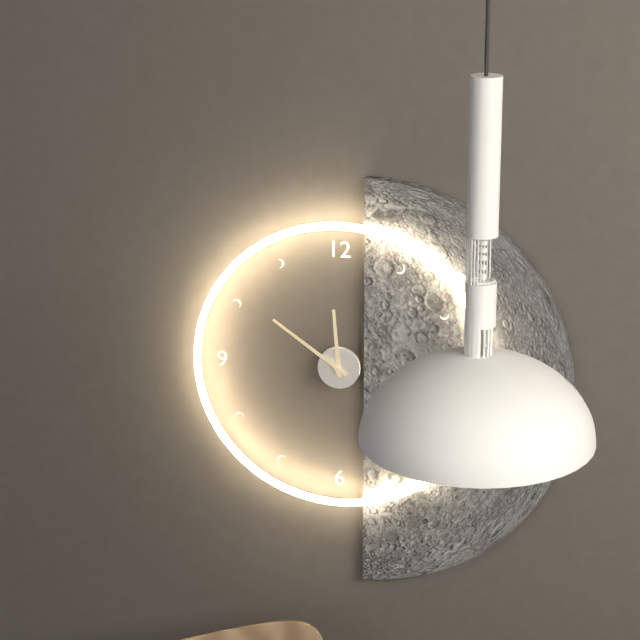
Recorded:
11 h 51 min
